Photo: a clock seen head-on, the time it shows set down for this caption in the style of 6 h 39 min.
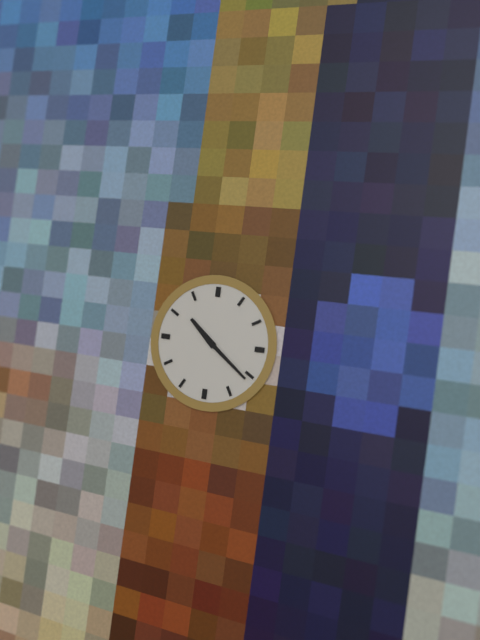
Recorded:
10 h 21 min
